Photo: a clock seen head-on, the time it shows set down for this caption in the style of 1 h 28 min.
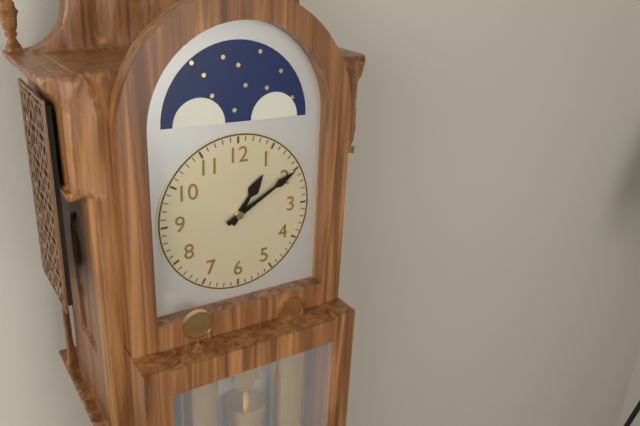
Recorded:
1 h 10 min
